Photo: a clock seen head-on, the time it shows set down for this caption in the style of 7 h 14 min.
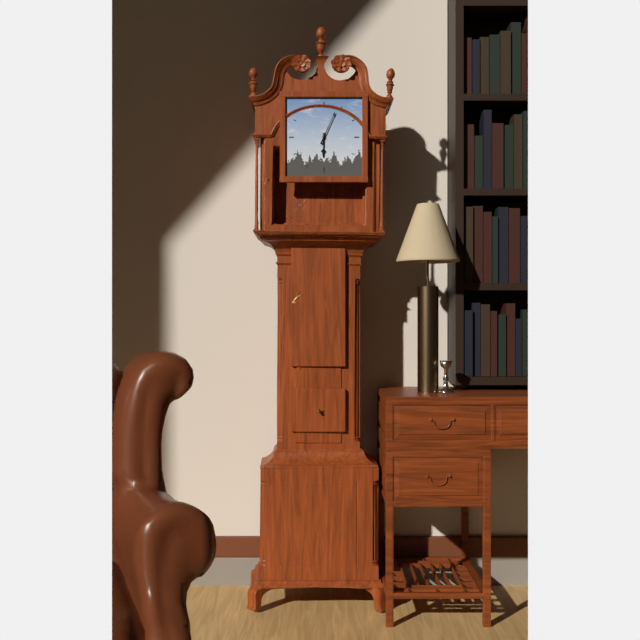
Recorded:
6 h 04 min
